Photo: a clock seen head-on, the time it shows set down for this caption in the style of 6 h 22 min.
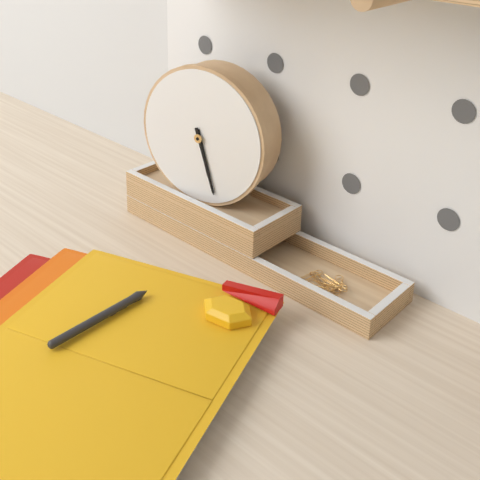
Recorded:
5 h 27 min
